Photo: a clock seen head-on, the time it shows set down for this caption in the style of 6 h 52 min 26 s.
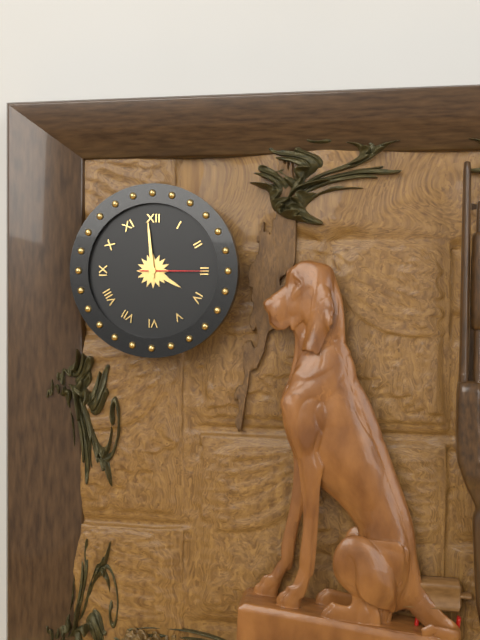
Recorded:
3 h 59 min 15 s
